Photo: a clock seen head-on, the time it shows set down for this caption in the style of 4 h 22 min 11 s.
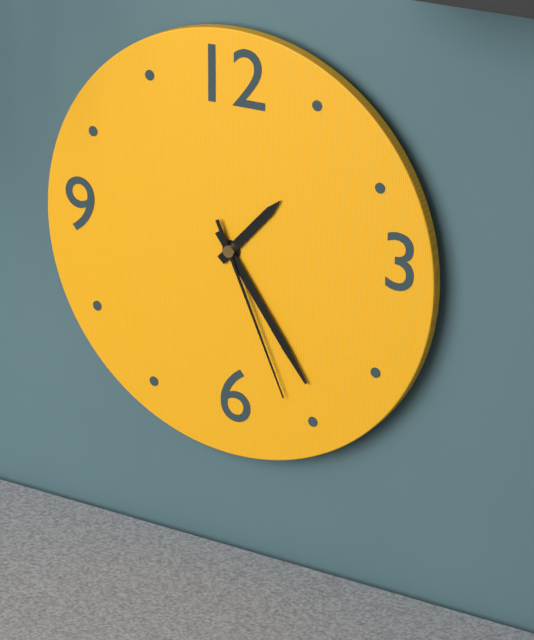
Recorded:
1 h 24 min 26 s
